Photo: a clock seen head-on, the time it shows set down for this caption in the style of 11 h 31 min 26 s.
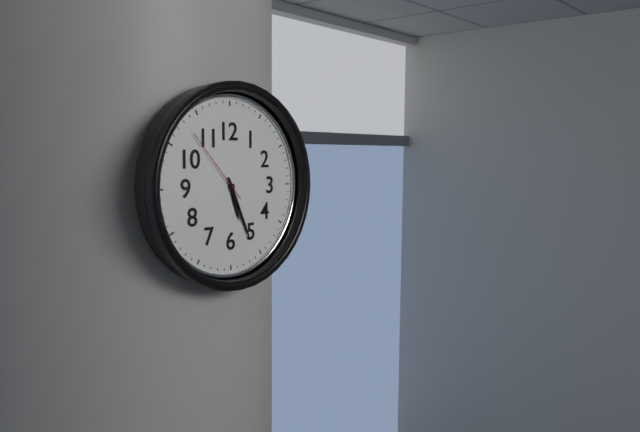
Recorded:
5 h 26 min 53 s
